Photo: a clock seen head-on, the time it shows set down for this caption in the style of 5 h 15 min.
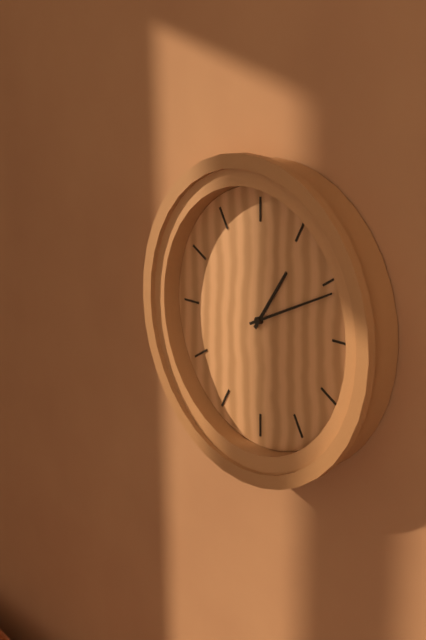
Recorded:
1 h 11 min
